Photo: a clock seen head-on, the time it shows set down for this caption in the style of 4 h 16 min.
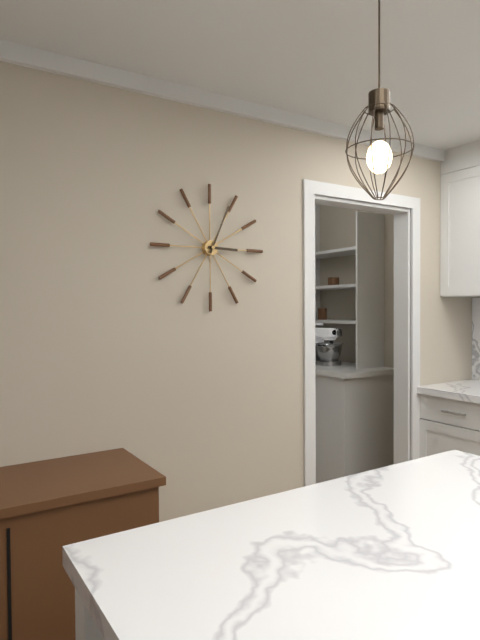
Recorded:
3 h 04 min
